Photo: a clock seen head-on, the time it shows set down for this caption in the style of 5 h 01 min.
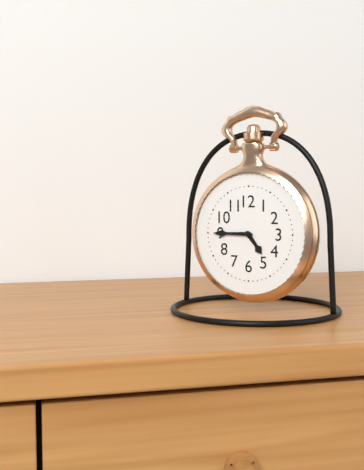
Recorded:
4 h 45 min
